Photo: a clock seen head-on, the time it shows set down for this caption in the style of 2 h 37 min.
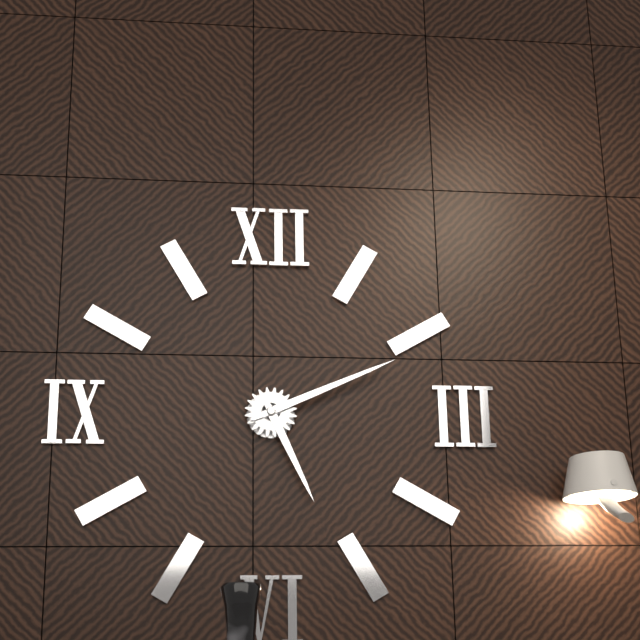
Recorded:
5 h 11 min
